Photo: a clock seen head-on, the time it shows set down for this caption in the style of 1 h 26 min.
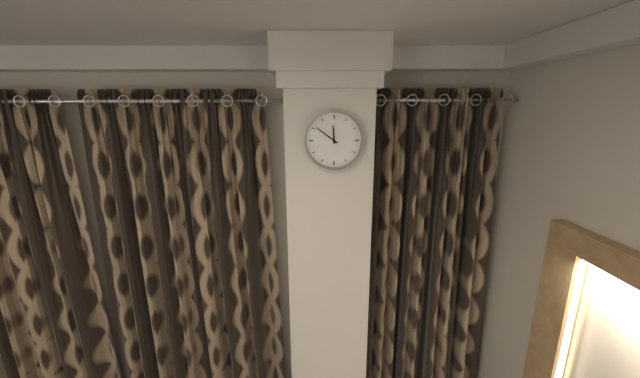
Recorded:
11 h 51 min
